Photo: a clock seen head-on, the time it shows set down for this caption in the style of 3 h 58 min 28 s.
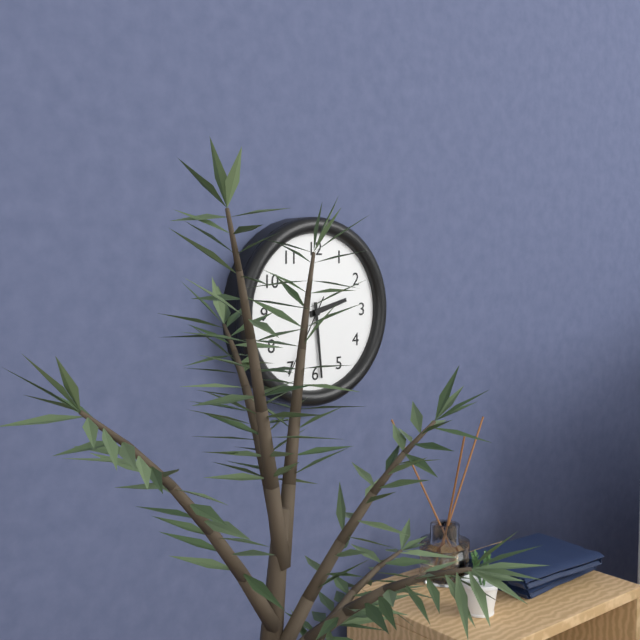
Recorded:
2 h 29 min 35 s
